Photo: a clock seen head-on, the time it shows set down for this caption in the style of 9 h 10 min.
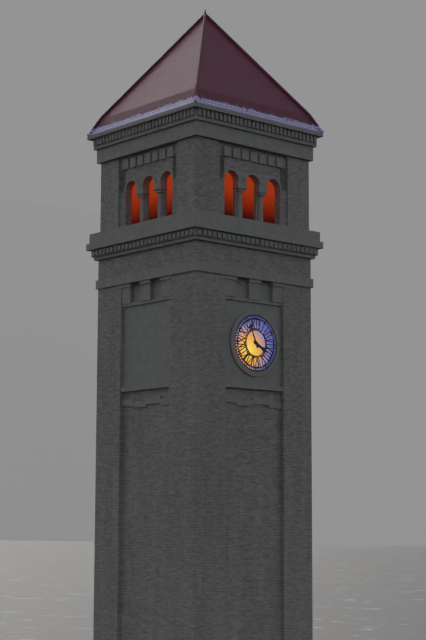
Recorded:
3 h 56 min
